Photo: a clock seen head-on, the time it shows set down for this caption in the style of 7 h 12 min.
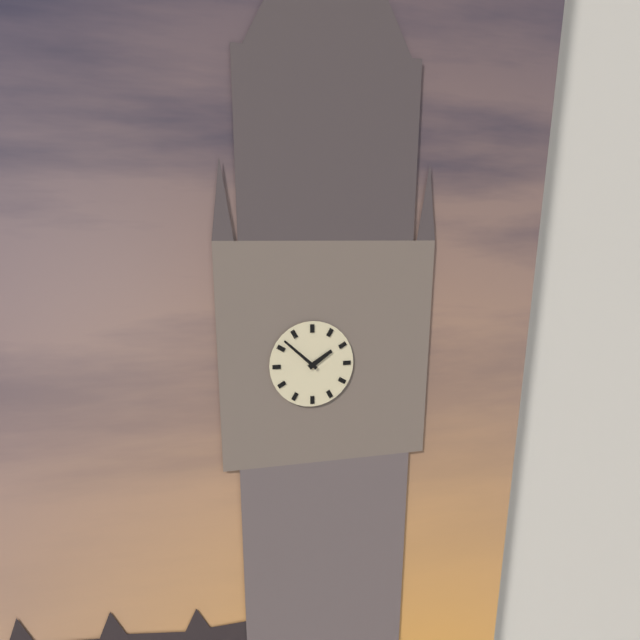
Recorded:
1 h 52 min
